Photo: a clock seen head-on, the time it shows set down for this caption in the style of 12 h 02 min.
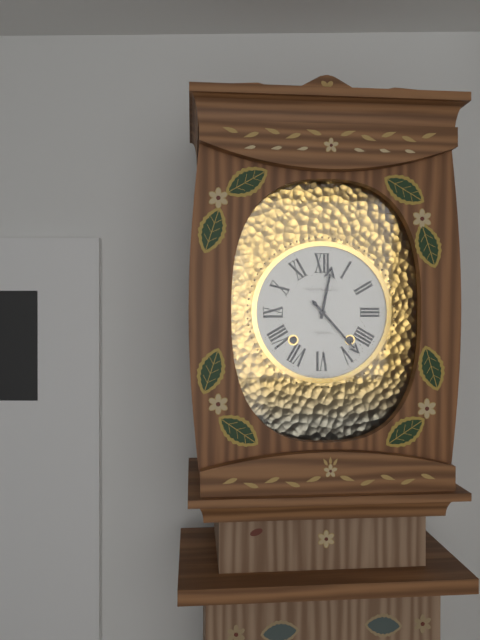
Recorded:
12 h 23 min
